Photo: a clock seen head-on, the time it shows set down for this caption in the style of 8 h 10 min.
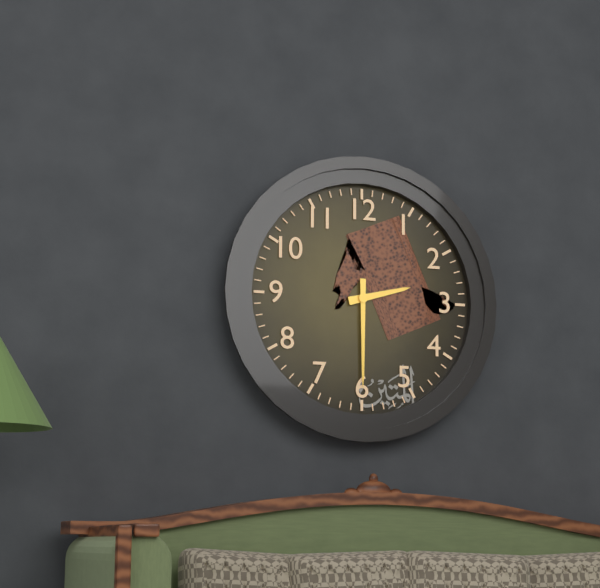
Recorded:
2 h 30 min
